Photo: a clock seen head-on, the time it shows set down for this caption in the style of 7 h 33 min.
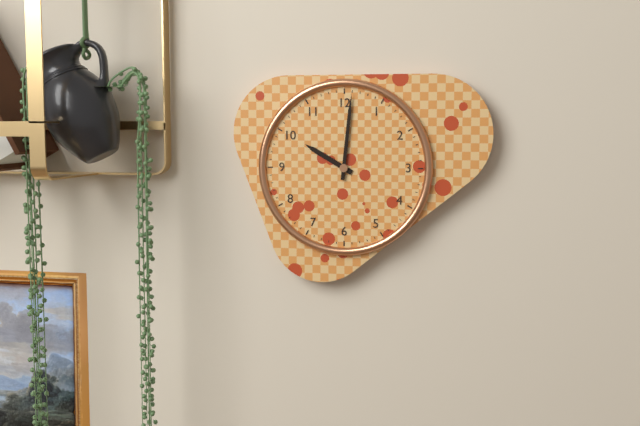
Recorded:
10 h 01 min
